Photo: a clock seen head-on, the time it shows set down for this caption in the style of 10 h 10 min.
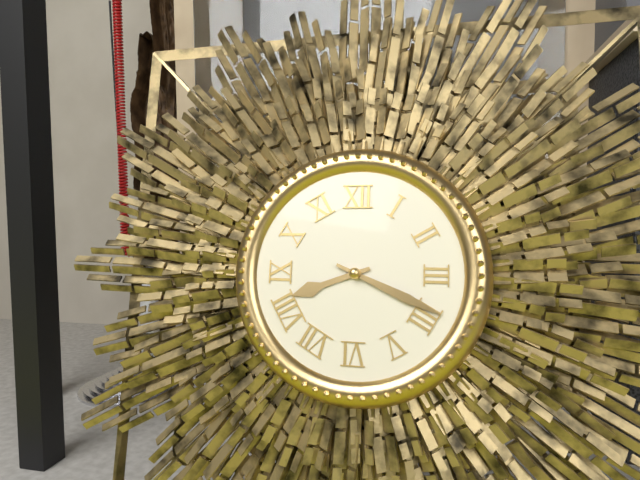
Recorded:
8 h 19 min
